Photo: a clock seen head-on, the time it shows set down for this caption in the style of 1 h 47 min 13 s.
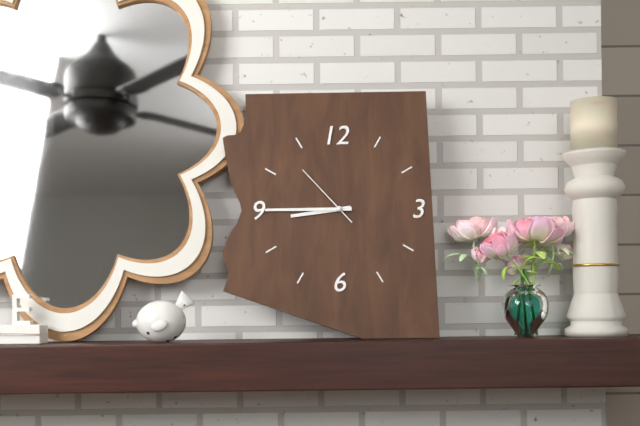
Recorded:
8 h 45 min 53 s
